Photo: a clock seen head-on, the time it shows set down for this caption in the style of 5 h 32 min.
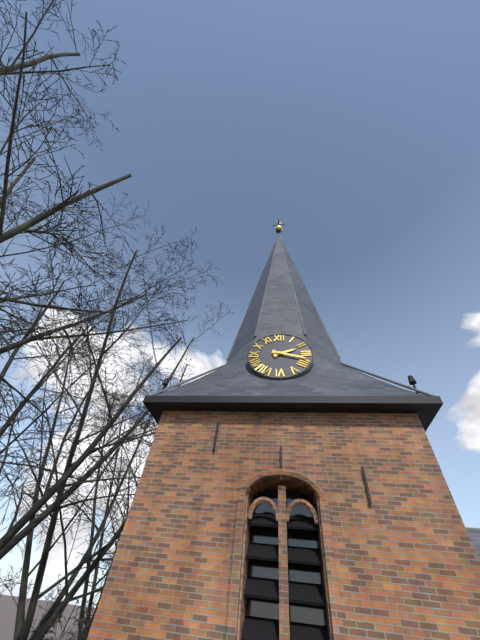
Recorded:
2 h 18 min
